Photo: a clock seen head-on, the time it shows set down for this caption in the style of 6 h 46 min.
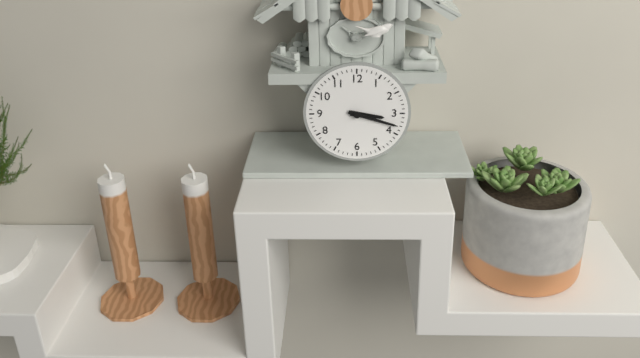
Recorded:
3 h 18 min
